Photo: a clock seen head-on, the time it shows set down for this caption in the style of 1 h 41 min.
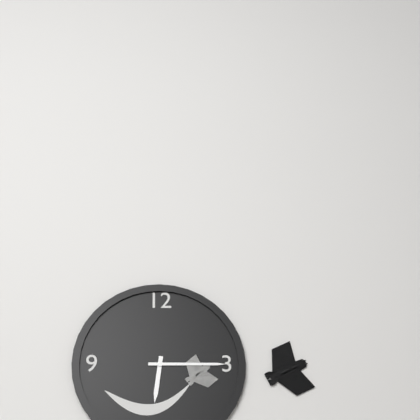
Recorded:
6 h 15 min
